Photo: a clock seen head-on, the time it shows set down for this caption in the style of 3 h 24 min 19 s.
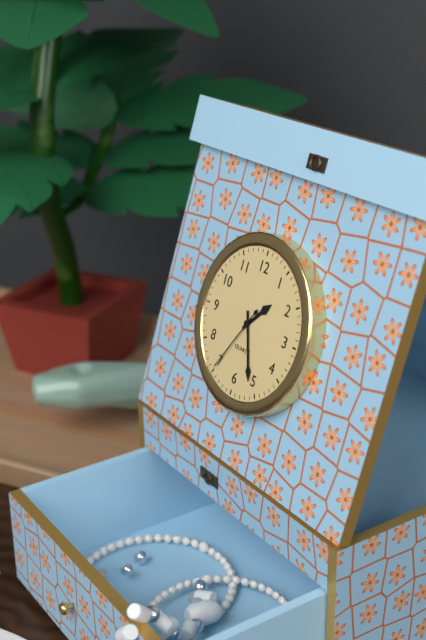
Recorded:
1 h 26 min 35 s
